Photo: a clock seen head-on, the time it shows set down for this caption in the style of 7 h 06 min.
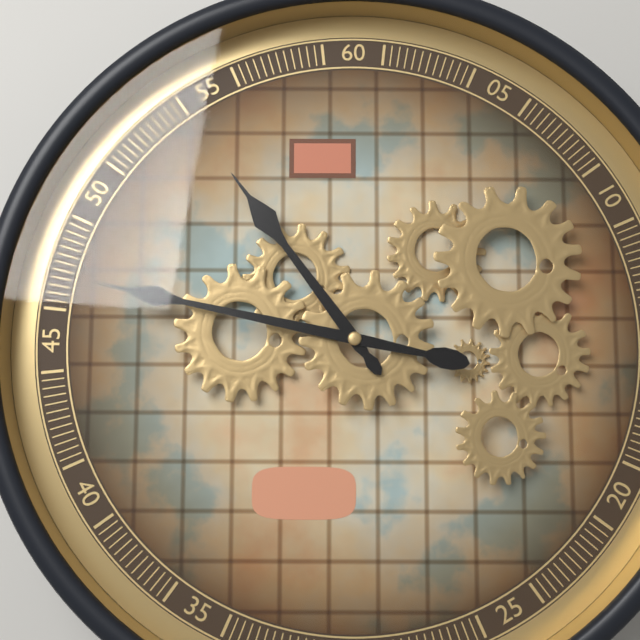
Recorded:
10 h 47 min
